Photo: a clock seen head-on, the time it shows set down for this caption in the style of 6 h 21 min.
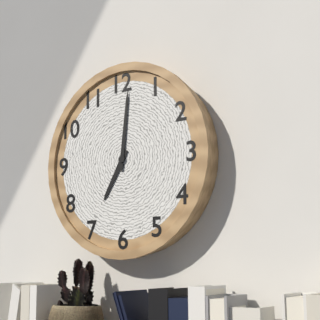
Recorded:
7 h 01 min
